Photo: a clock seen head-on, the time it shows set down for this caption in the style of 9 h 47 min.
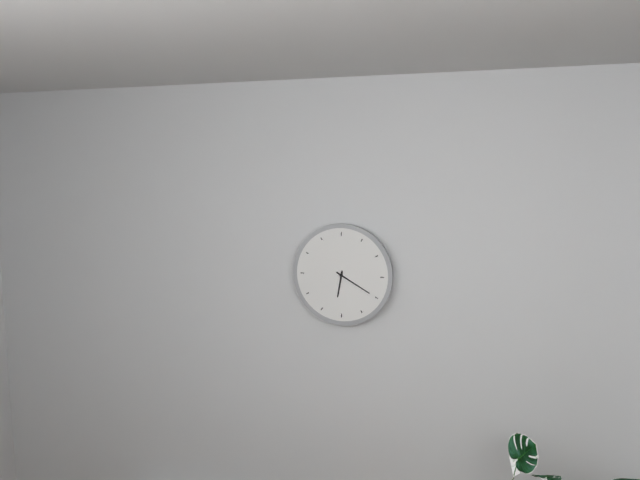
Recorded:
6 h 20 min
